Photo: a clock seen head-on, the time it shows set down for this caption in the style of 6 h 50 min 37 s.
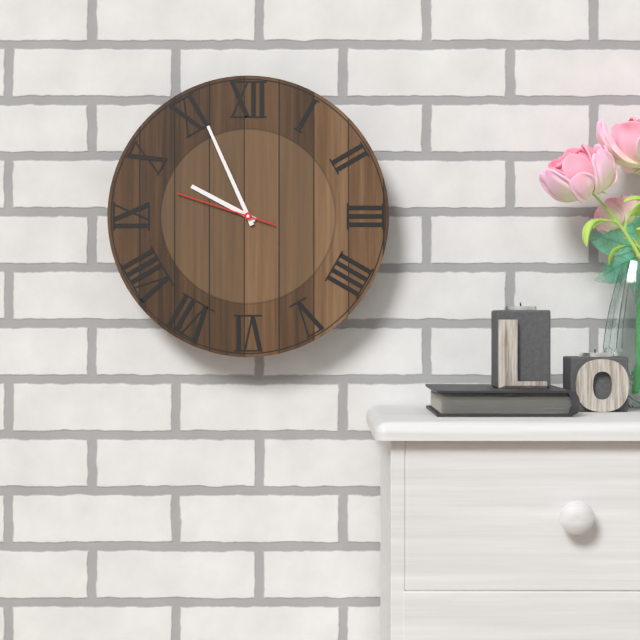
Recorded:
9 h 56 min 48 s
